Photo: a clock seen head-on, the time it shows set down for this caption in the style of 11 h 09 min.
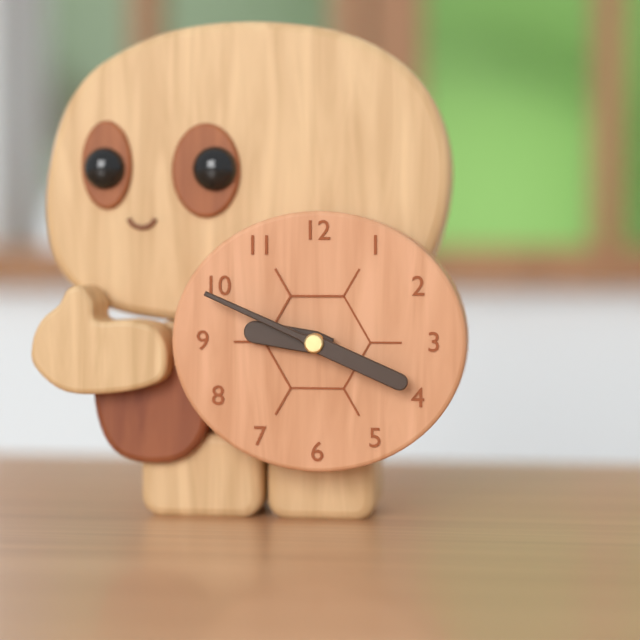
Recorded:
9 h 19 min
